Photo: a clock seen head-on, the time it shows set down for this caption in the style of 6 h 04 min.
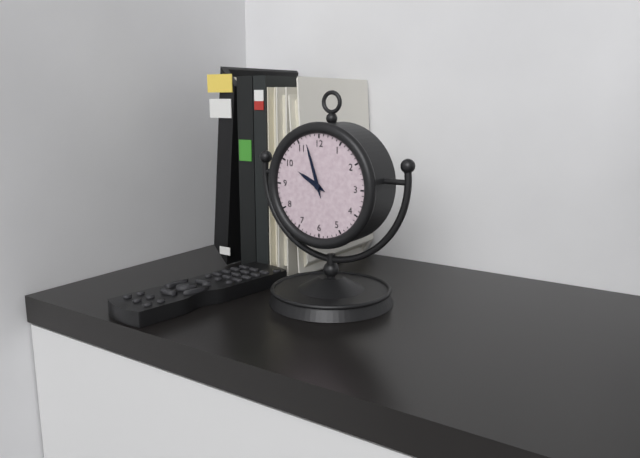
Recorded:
9 h 57 min
